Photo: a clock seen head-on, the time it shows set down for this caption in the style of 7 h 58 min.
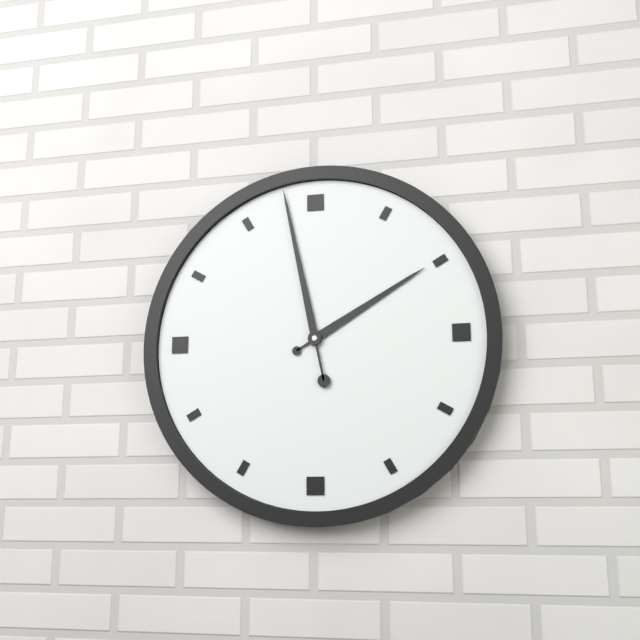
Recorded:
1 h 58 min
